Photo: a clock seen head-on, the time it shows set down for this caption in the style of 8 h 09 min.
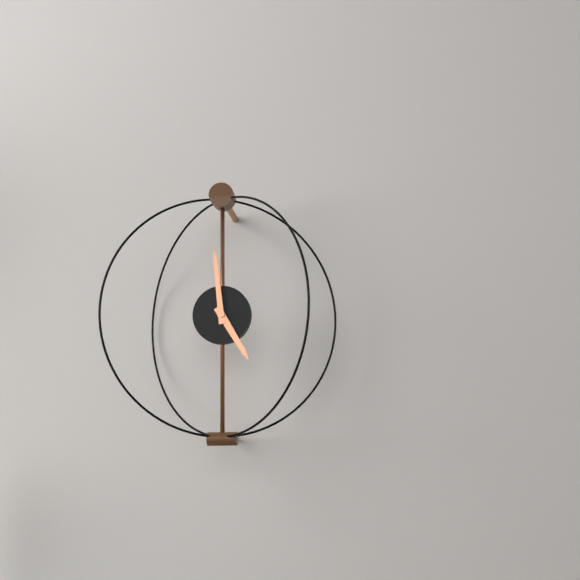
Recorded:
4 h 59 min
